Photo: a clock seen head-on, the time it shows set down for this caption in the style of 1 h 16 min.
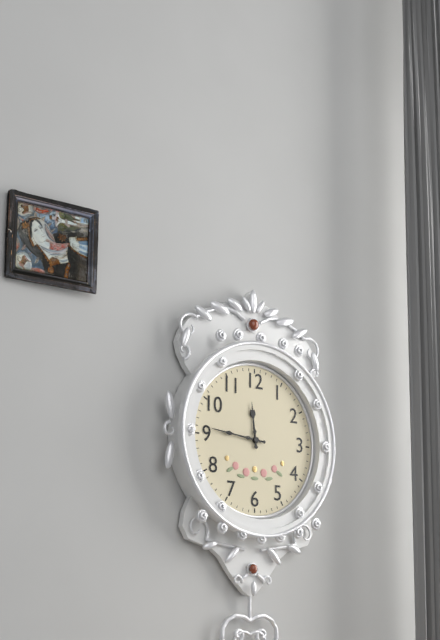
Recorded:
11 h 46 min
